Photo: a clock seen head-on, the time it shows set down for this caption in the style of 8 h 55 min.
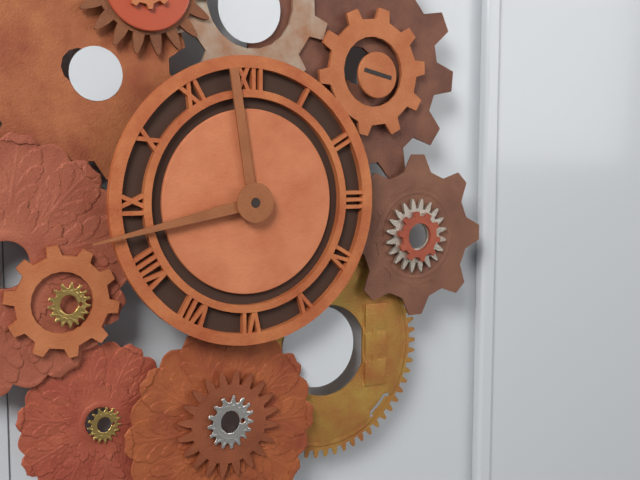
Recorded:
11 h 43 min
